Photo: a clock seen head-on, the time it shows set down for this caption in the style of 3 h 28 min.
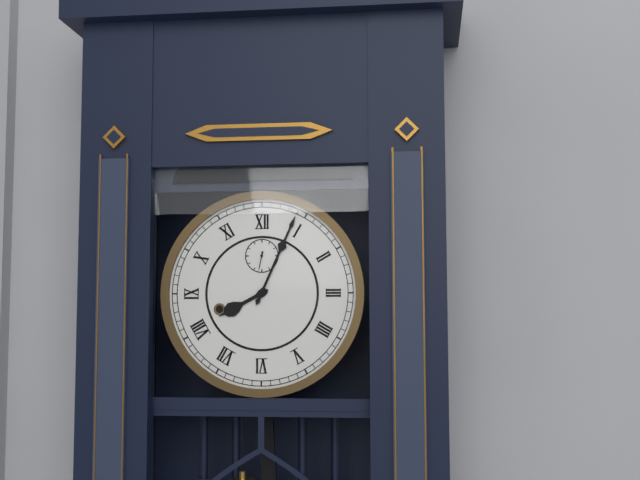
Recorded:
8 h 04 min
